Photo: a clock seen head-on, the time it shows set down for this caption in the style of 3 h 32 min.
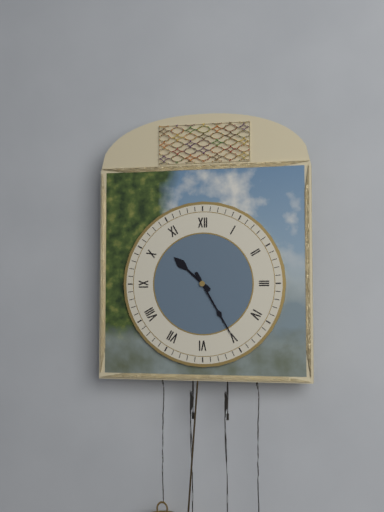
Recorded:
10 h 25 min
